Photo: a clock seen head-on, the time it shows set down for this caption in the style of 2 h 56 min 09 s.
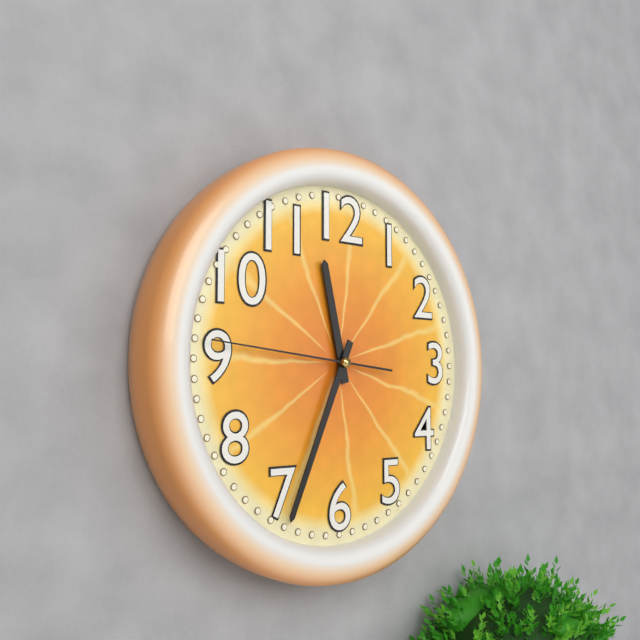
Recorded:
11 h 34 min 46 s
